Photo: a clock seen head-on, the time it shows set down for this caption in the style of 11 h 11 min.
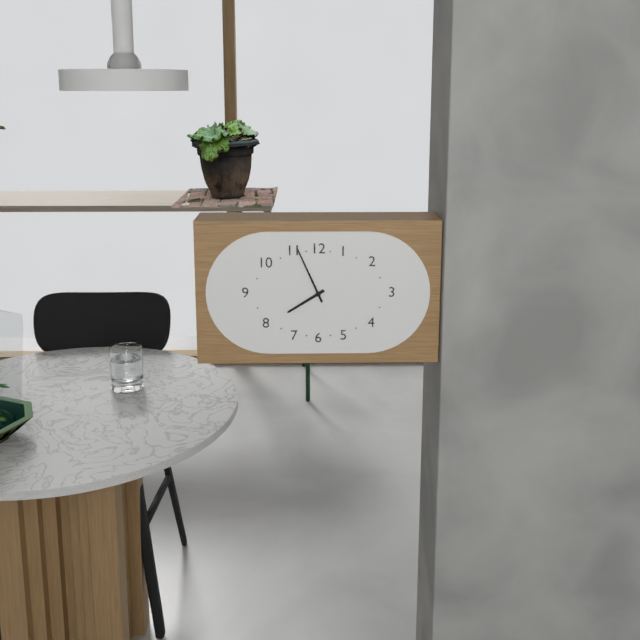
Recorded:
7 h 56 min
